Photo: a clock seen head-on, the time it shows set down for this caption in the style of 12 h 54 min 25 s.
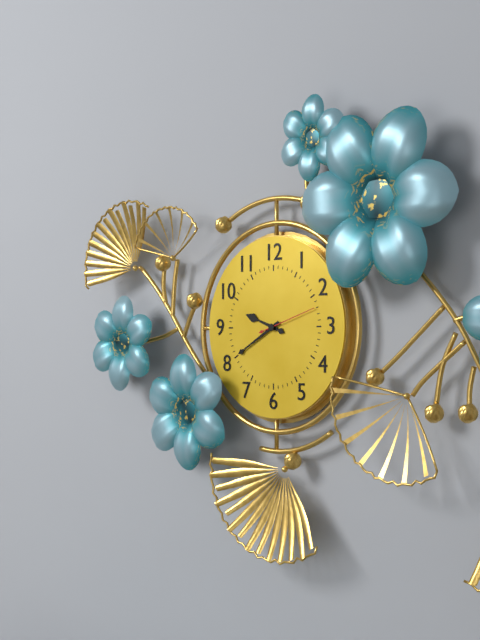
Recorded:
9 h 40 min 12 s
